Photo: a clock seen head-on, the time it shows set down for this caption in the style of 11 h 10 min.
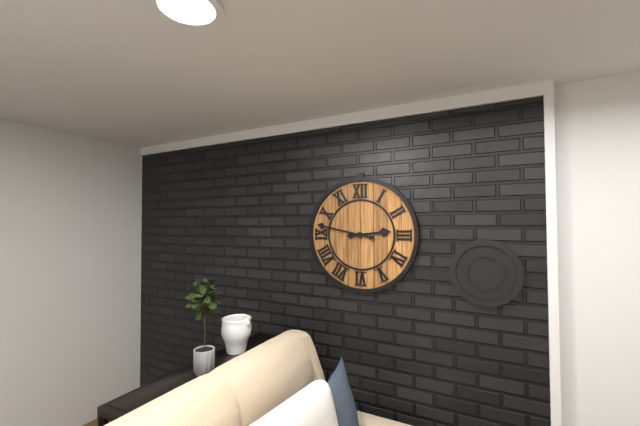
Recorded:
2 h 47 min
